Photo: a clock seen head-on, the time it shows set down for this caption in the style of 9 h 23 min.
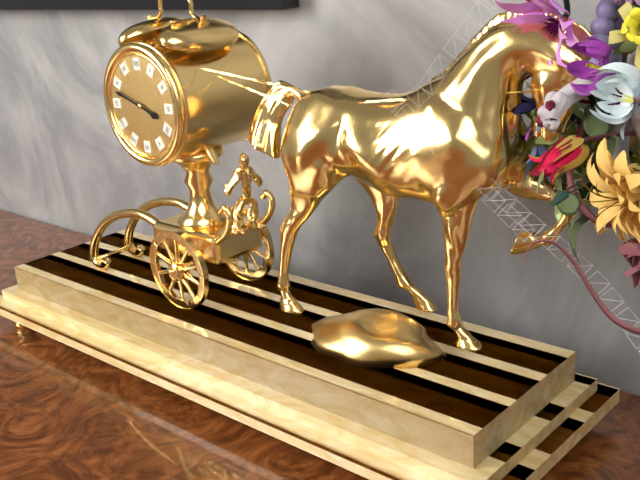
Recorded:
3 h 48 min
